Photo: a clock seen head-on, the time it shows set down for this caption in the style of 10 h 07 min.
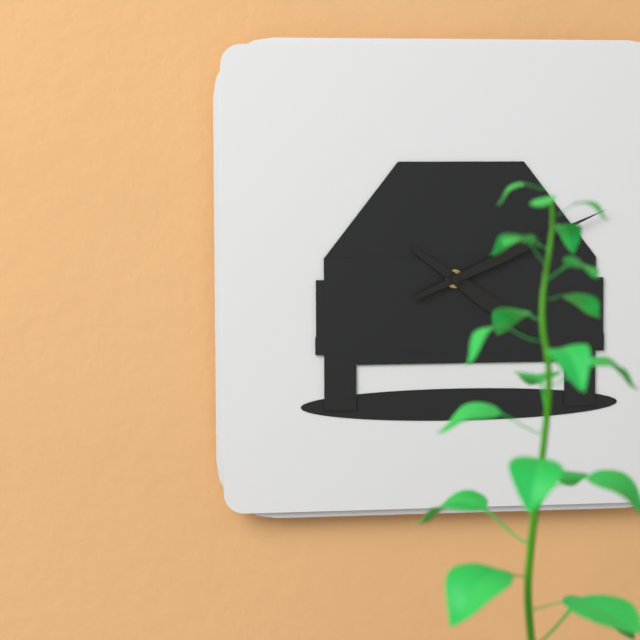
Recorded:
4 h 11 min
